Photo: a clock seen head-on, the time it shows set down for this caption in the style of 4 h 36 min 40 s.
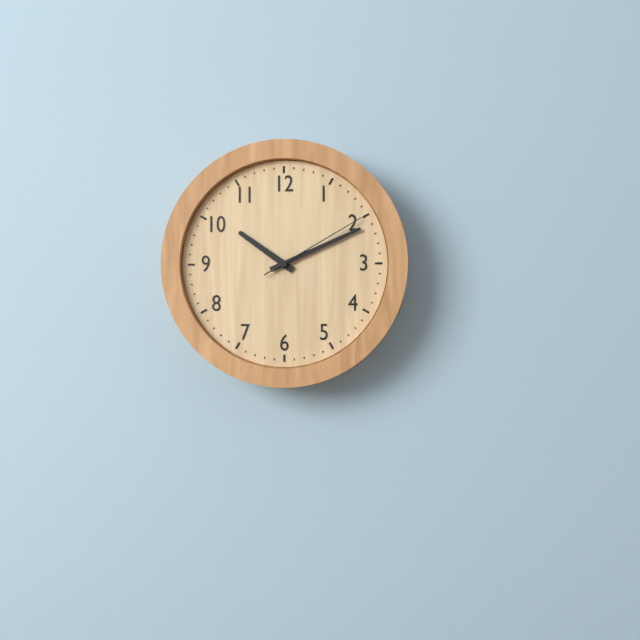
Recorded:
10 h 11 min 10 s
